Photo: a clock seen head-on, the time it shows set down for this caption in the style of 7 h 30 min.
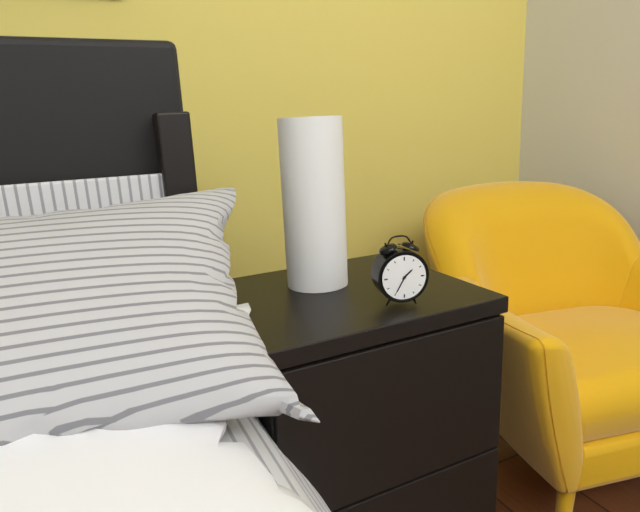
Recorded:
1 h 35 min
